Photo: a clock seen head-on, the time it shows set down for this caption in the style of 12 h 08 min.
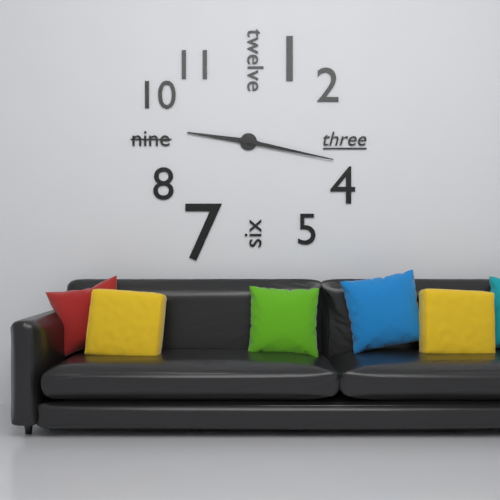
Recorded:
9 h 17 min
